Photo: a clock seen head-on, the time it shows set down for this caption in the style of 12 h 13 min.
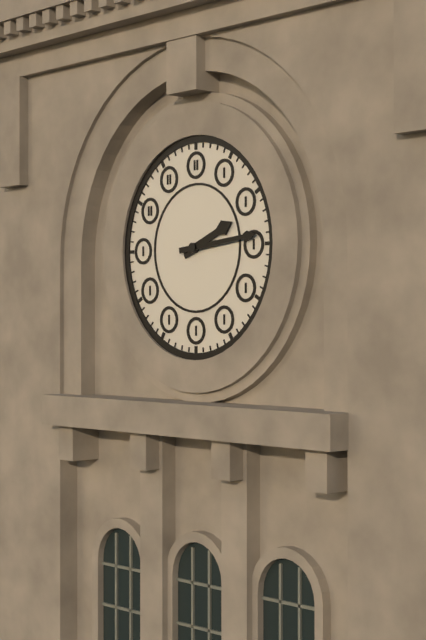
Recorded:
2 h 14 min
